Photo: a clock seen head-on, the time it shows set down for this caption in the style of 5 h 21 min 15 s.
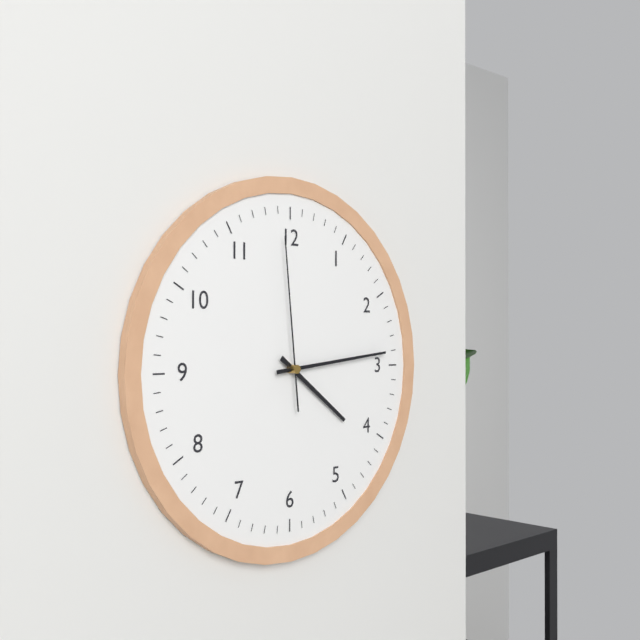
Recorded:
4 h 14 min 59 s
